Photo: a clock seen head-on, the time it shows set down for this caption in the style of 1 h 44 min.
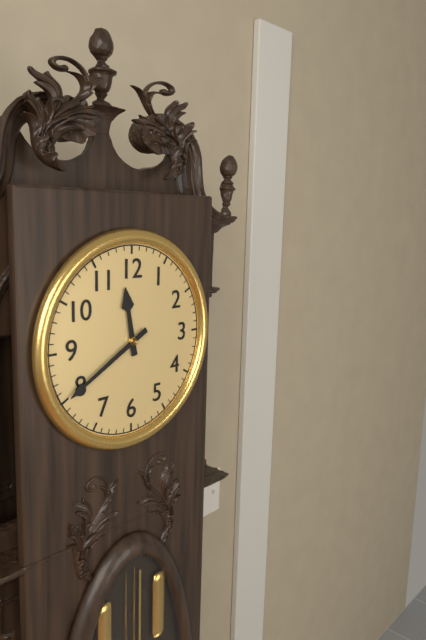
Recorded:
11 h 40 min
